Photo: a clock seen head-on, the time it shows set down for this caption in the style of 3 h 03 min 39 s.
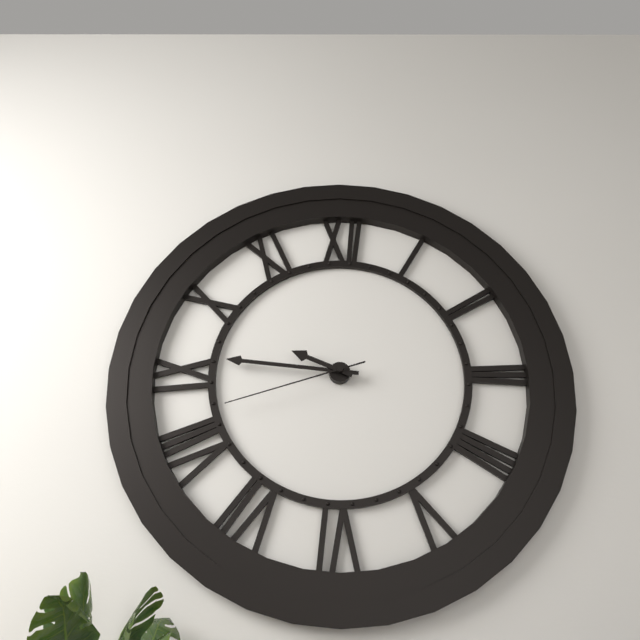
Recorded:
9 h 46 min 42 s
